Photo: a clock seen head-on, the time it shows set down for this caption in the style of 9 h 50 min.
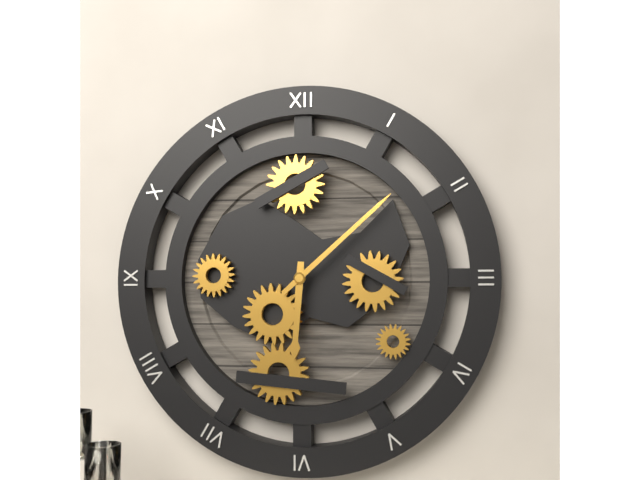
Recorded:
6 h 08 min
